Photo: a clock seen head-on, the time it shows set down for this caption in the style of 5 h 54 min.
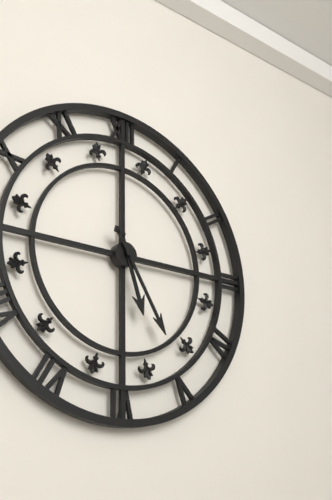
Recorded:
5 h 25 min
